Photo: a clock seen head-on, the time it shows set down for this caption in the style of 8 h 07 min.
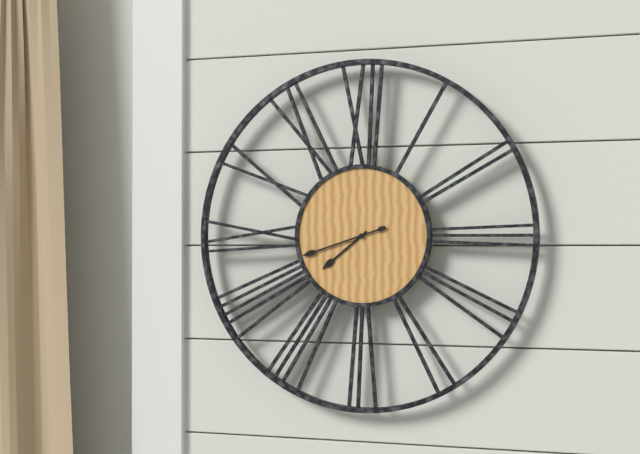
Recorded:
7 h 42 min
